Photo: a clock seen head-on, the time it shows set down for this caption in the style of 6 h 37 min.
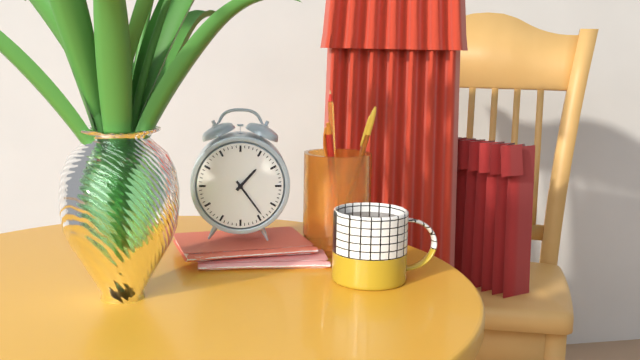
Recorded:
1 h 24 min
